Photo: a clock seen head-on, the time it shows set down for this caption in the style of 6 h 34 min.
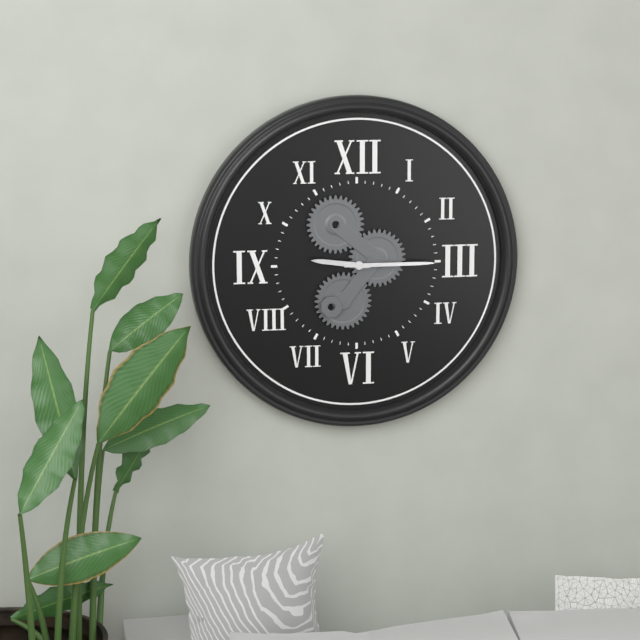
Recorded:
9 h 15 min
